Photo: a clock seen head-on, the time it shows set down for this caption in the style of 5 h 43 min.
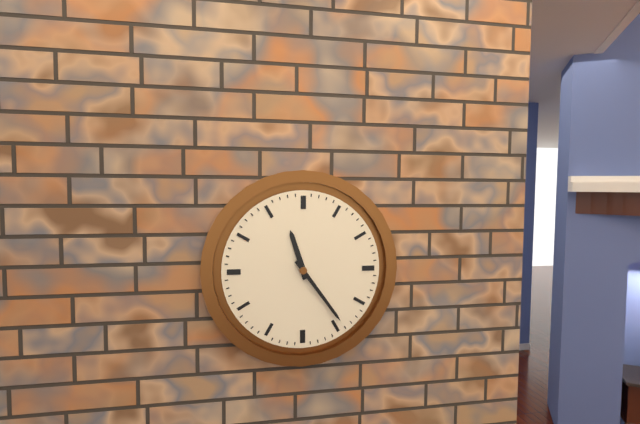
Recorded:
11 h 24 min
